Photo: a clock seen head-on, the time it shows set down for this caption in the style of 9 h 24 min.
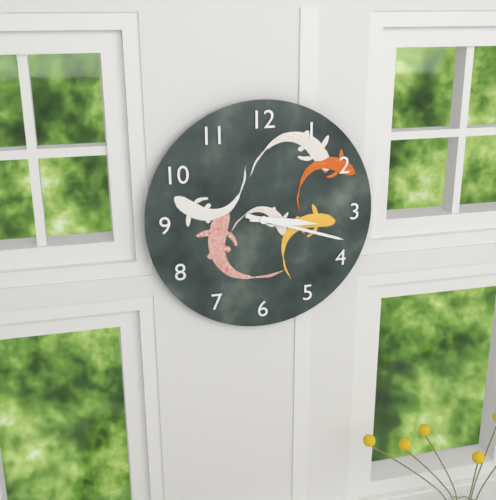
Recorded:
3 h 18 min
